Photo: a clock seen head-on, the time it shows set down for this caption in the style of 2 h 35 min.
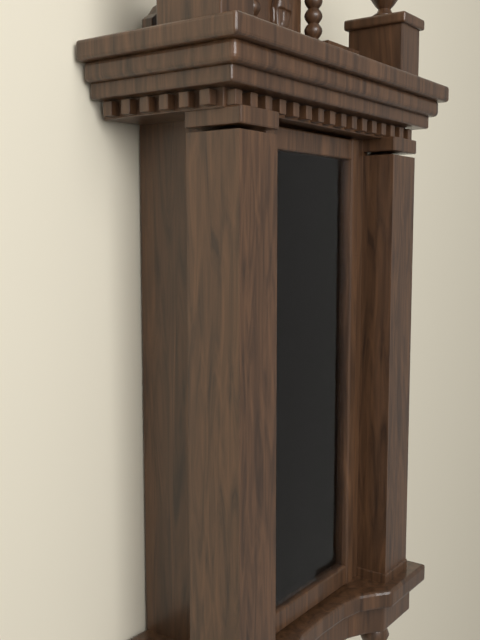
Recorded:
6 h 19 min
